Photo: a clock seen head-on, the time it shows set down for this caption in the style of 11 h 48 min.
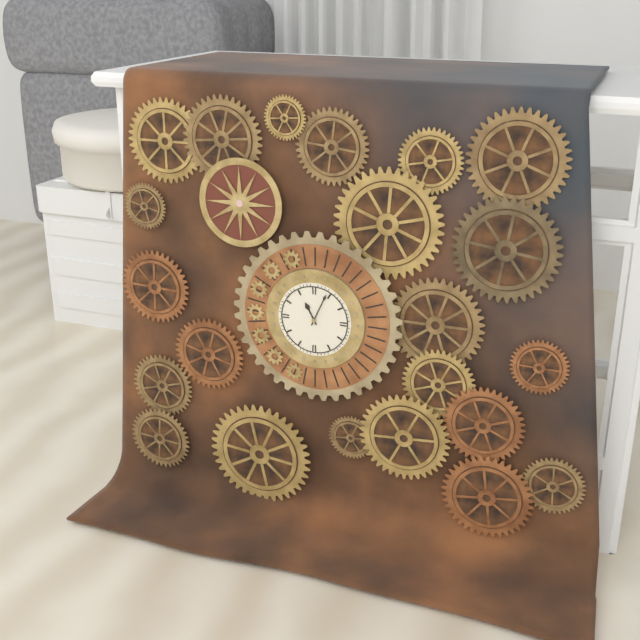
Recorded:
11 h 04 min
